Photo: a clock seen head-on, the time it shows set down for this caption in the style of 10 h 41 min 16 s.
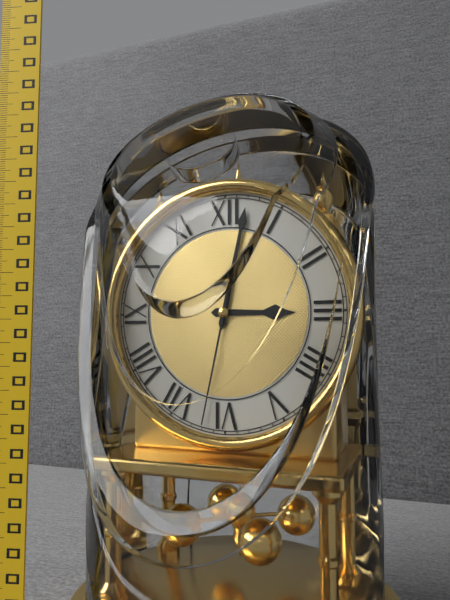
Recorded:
3 h 02 min 32 s
